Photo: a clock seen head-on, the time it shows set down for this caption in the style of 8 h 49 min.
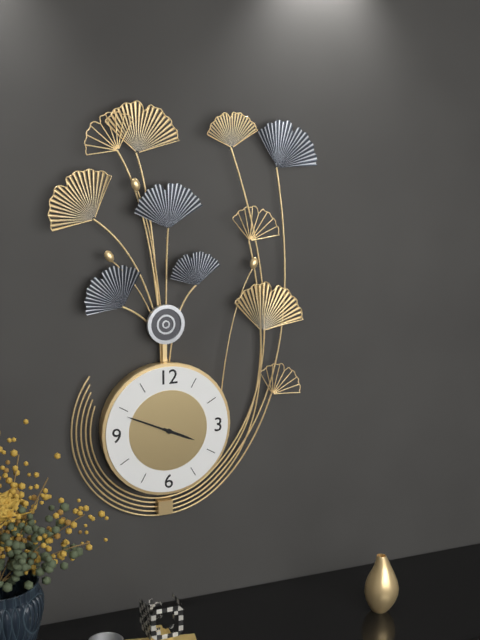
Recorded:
3 h 49 min
